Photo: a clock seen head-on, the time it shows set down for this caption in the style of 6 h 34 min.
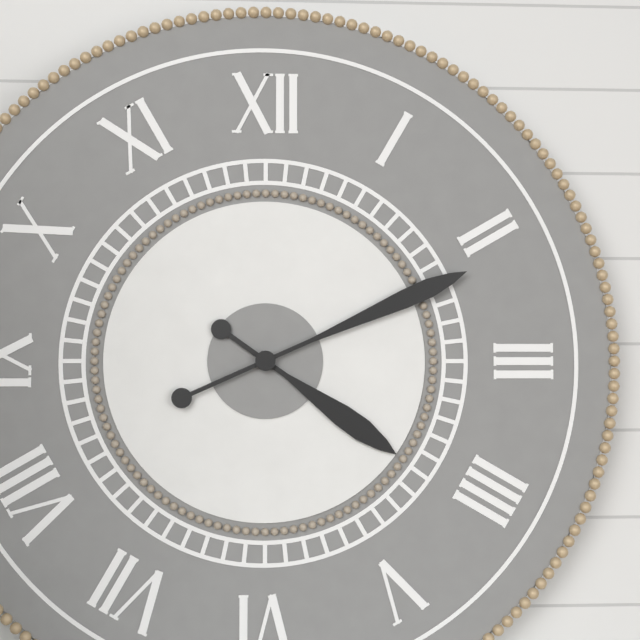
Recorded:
4 h 11 min
